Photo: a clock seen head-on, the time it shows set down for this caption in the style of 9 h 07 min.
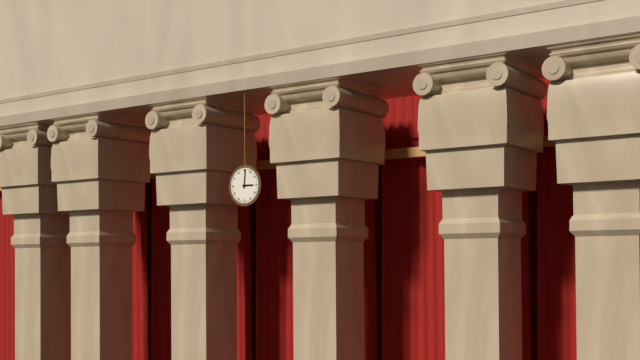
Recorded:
3 h 01 min
